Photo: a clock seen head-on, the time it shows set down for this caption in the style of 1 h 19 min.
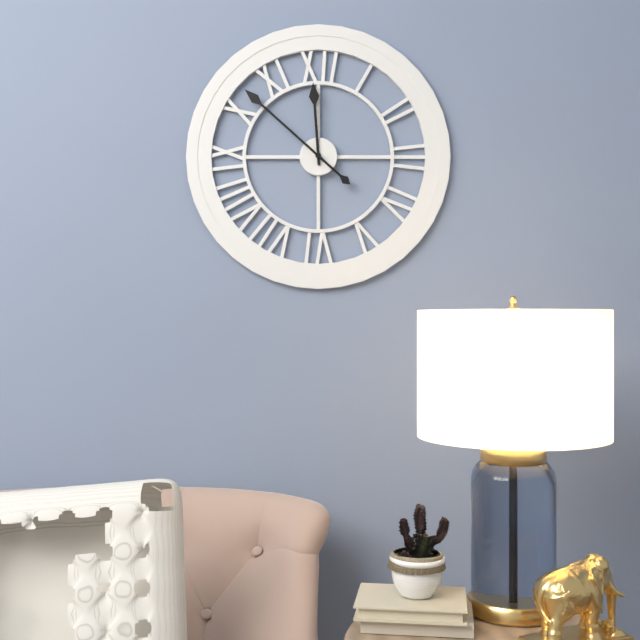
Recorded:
11 h 52 min
